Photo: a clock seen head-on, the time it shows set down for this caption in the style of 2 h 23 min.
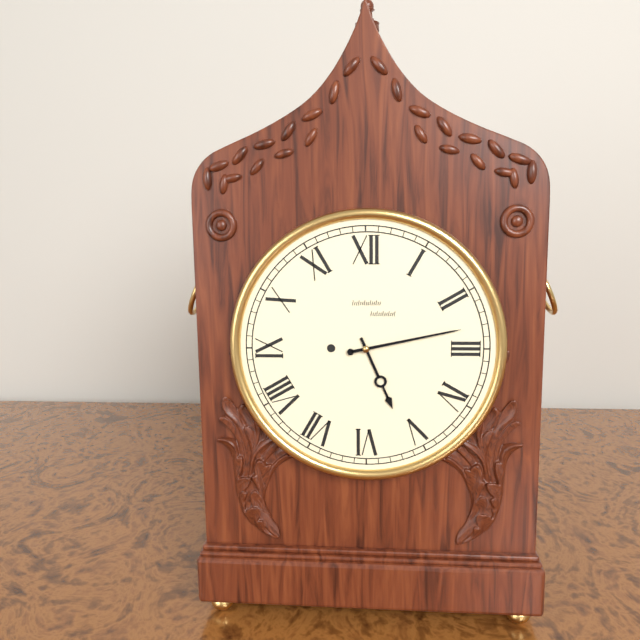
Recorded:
5 h 13 min
